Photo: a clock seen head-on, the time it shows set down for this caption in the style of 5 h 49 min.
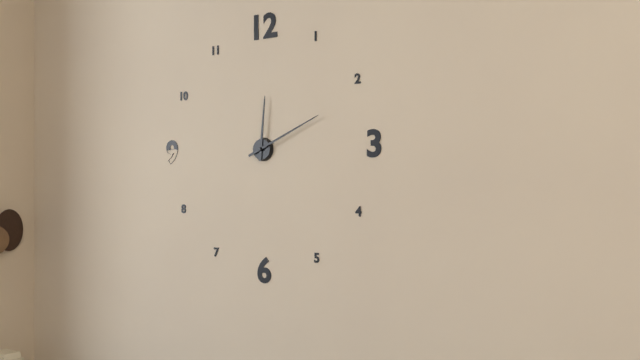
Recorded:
12 h 11 min
